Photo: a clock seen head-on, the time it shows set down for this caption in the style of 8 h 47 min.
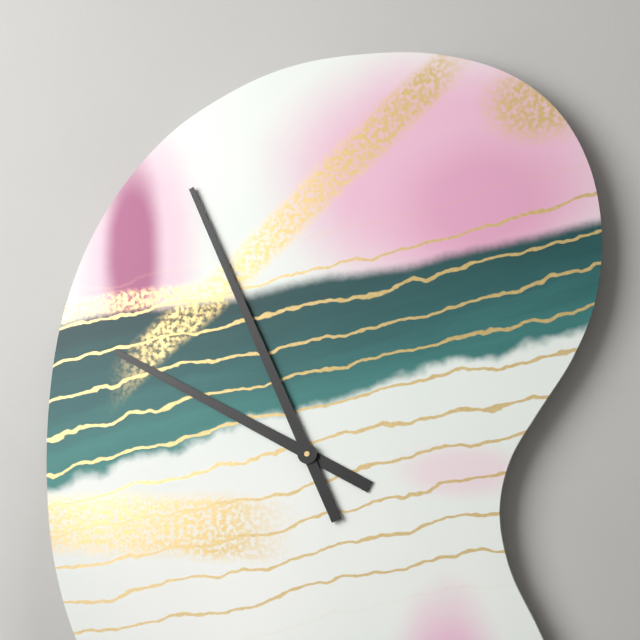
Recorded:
9 h 56 min
